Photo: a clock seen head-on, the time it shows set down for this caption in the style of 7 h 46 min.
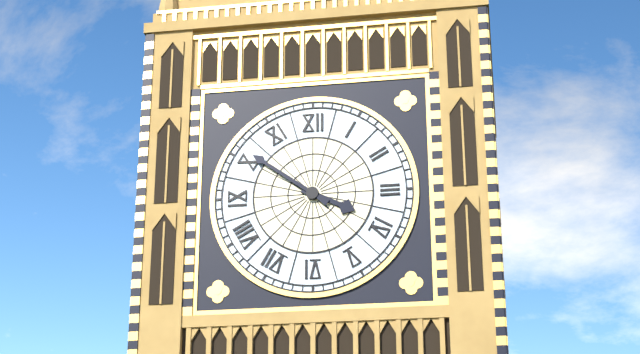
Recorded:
3 h 51 min
